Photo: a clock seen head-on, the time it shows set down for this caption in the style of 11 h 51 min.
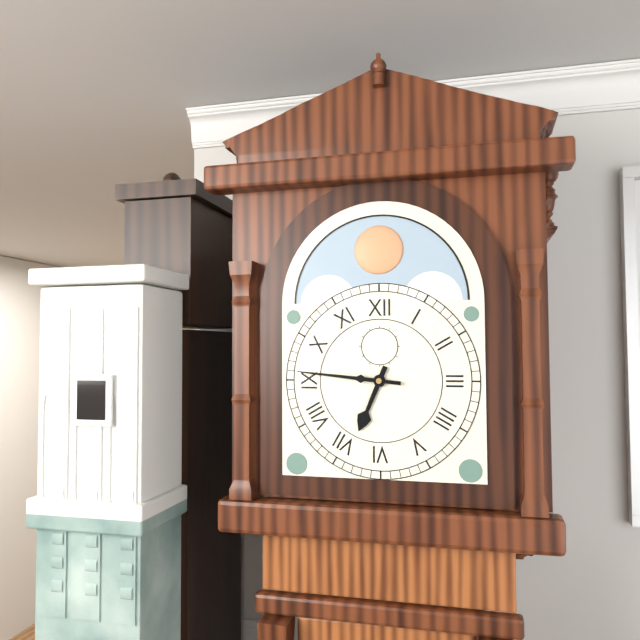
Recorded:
6 h 46 min
